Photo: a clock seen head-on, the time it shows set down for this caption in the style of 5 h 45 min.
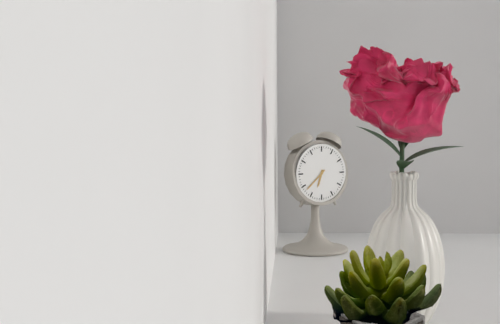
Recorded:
6 h 38 min
